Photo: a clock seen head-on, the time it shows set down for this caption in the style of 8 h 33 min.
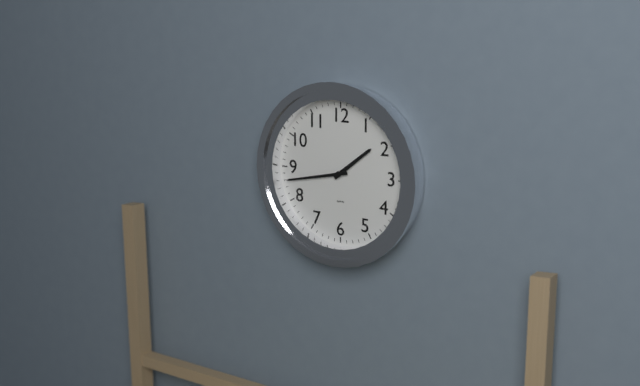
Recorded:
1 h 43 min
